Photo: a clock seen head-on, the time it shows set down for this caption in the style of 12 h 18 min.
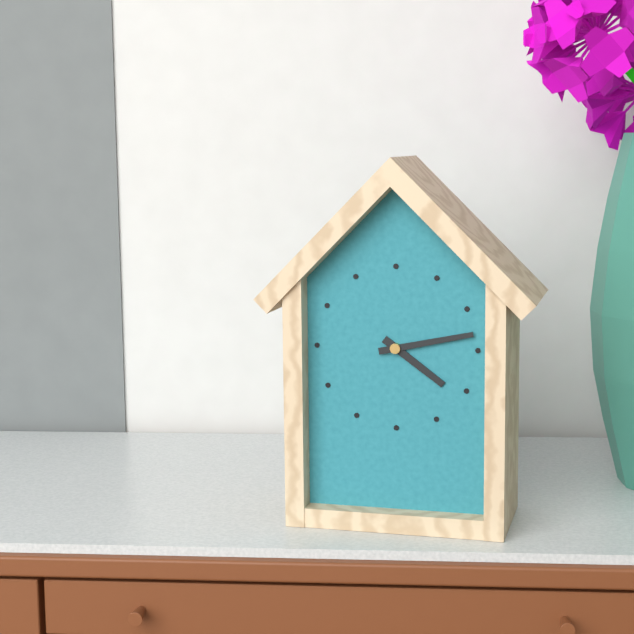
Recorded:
4 h 13 min
